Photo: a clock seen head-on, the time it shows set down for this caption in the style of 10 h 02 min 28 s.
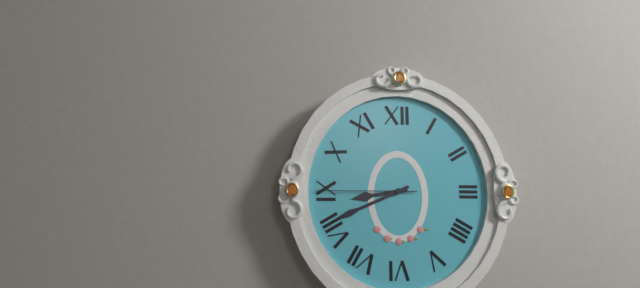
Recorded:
8 h 41 min 45 s
